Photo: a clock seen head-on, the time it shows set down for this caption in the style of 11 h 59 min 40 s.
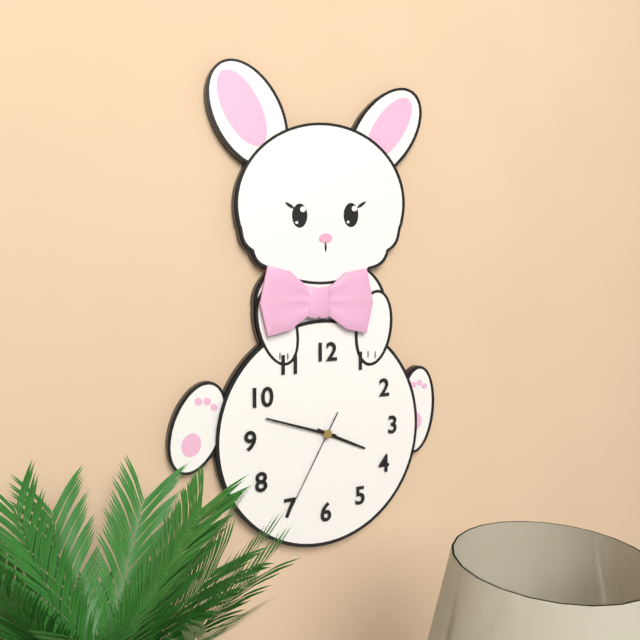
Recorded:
3 h 48 min 35 s
